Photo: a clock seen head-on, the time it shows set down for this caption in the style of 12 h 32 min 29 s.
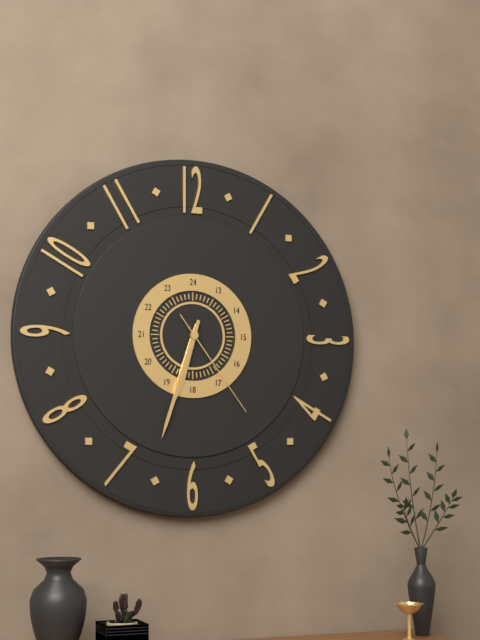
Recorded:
6 h 33 min 24 s
